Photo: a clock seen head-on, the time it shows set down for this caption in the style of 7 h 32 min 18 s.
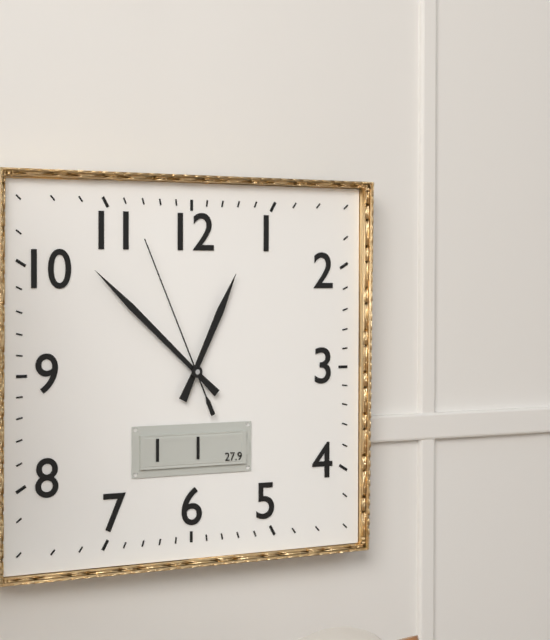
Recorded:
12 h 52 min 56 s
